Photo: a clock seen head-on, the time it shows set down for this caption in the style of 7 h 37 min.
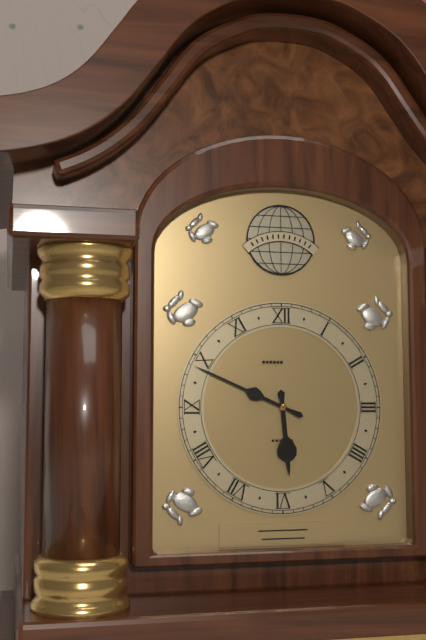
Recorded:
5 h 49 min
